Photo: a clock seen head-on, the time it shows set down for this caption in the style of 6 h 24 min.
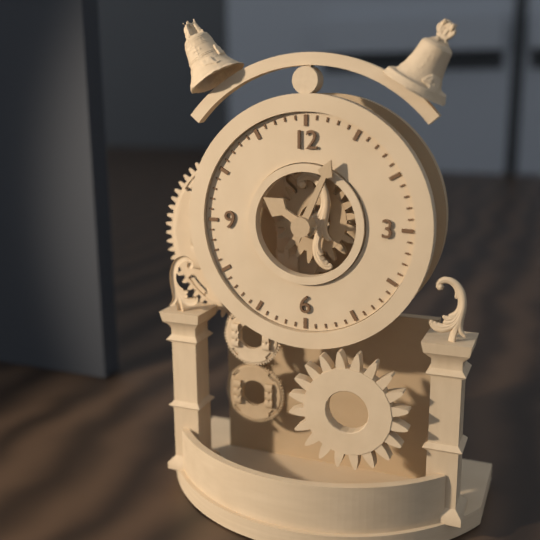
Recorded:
10 h 04 min
